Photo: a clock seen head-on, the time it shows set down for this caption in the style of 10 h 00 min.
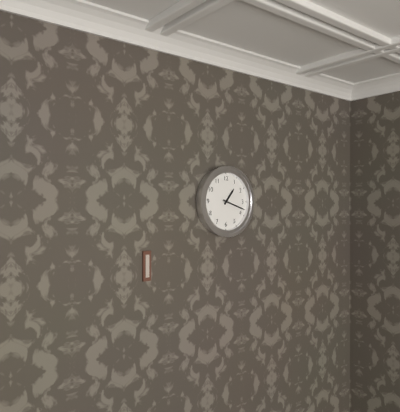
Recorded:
1 h 18 min
